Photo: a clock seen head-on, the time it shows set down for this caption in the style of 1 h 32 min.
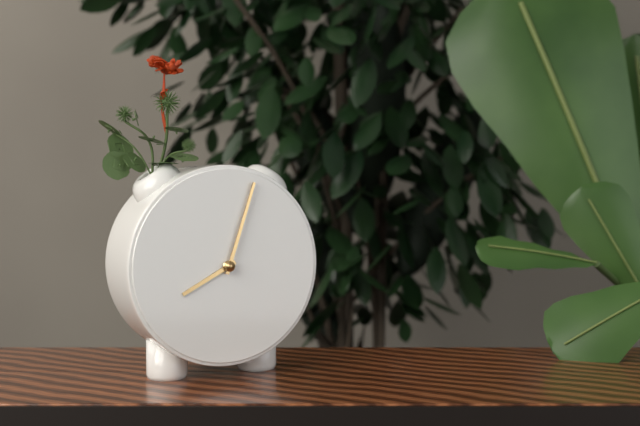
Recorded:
8 h 03 min
